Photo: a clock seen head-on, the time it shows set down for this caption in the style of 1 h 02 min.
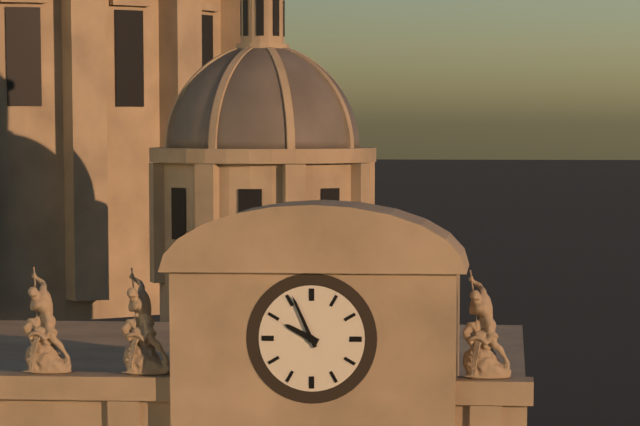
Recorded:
9 h 56 min
